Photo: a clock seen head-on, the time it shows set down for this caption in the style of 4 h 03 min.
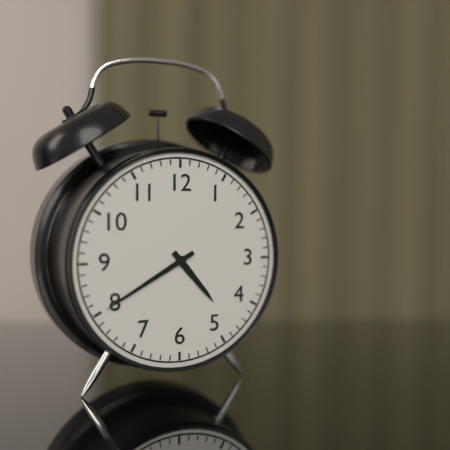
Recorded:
4 h 40 min
